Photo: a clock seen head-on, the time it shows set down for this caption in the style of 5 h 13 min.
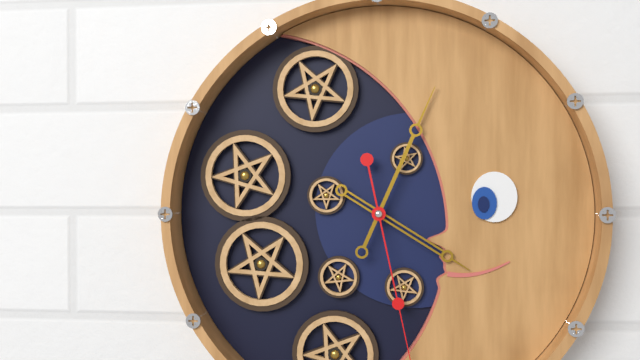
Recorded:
4 h 04 min
